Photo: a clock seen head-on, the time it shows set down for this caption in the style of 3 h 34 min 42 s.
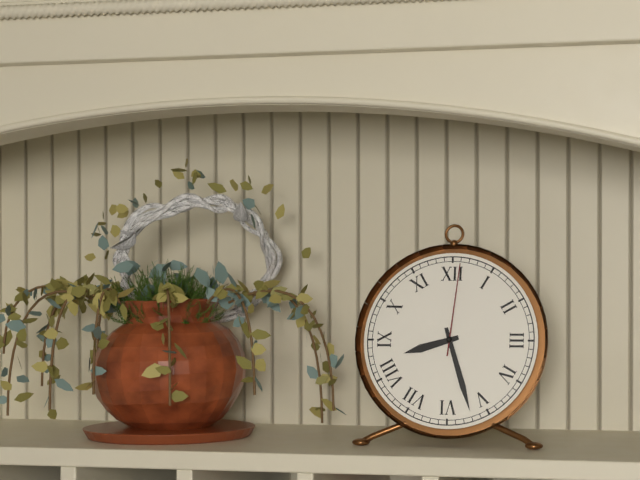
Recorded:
8 h 27 min 01 s
